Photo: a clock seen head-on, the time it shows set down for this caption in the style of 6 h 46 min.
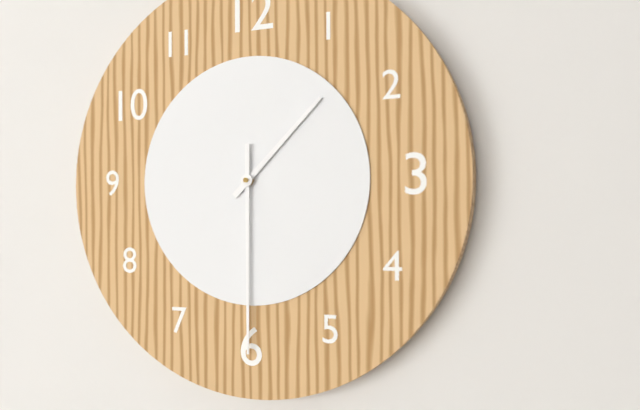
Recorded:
1 h 30 min
